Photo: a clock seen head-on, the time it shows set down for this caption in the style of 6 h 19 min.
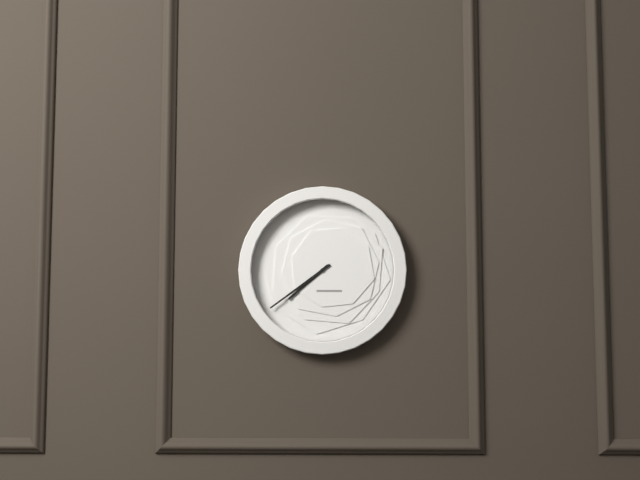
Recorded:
7 h 39 min
